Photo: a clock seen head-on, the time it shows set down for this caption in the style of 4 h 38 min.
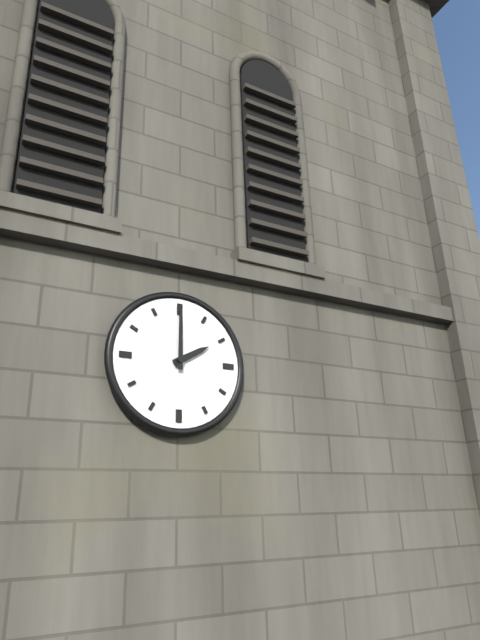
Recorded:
2 h 00 min
